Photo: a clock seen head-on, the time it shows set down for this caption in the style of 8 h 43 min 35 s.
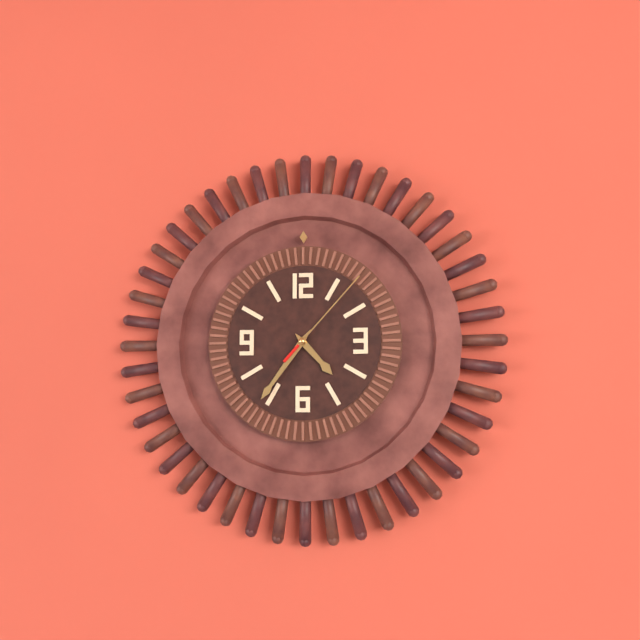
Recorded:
4 h 36 min 07 s
